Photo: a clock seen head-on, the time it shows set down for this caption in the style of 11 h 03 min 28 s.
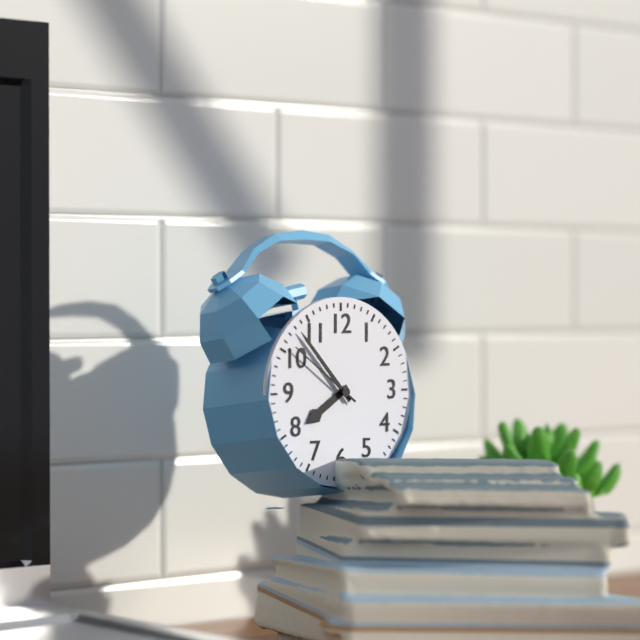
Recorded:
7 h 53 min 51 s
